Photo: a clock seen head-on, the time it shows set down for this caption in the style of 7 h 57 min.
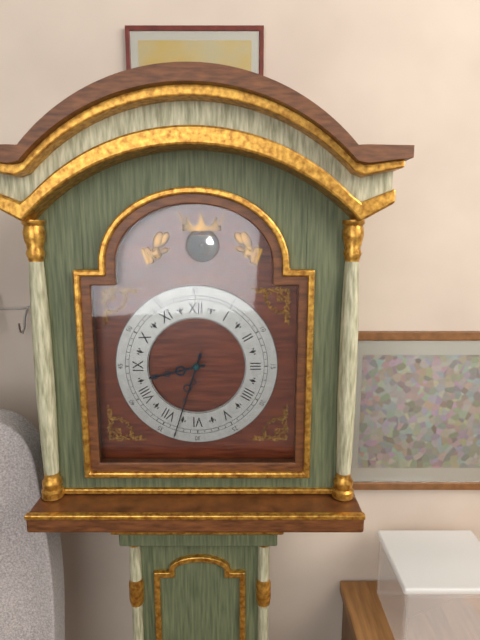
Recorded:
8 h 33 min
